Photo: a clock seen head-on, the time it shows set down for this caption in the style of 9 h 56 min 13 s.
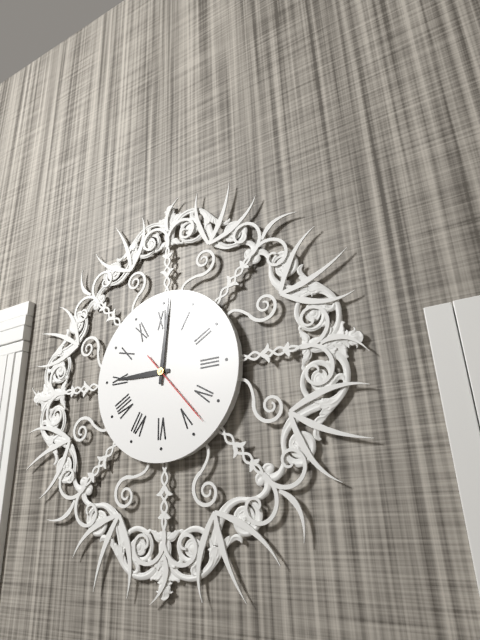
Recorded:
9 h 01 min 23 s
